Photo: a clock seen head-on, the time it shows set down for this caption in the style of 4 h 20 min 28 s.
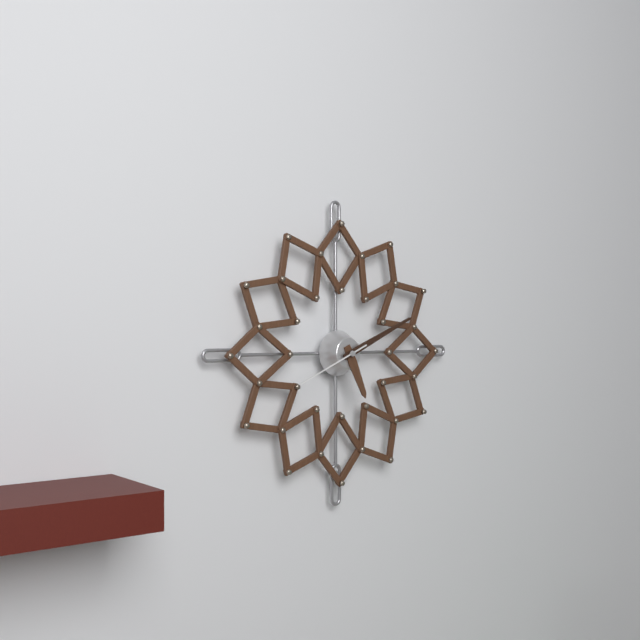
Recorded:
5 h 11 min 41 s
